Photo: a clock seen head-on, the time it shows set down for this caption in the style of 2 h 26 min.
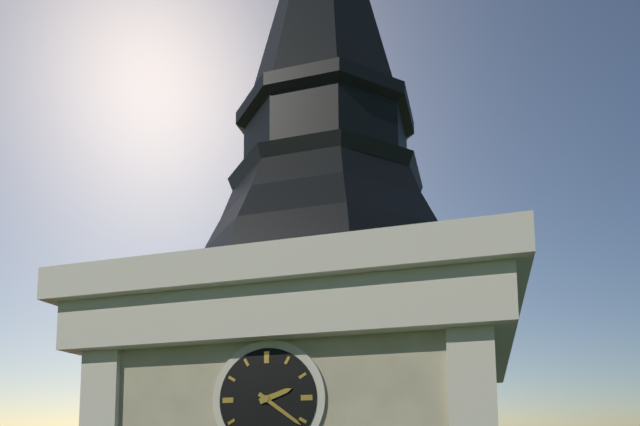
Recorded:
2 h 21 min
